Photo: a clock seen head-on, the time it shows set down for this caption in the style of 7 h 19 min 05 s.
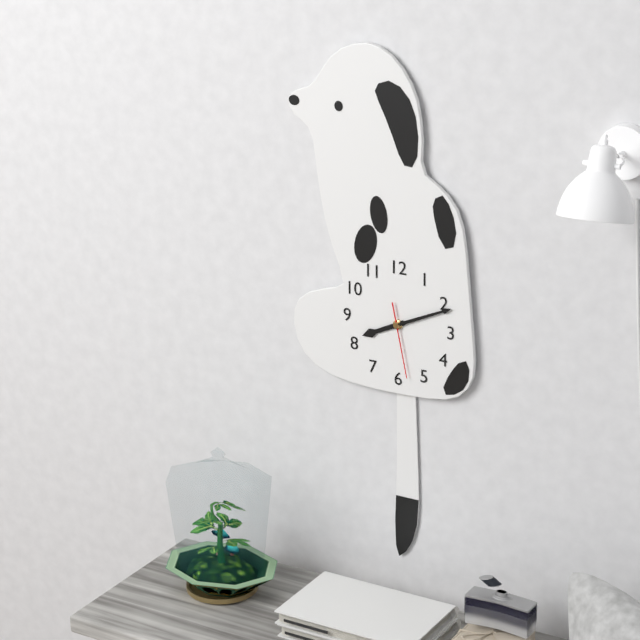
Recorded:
8 h 11 min 28 s
